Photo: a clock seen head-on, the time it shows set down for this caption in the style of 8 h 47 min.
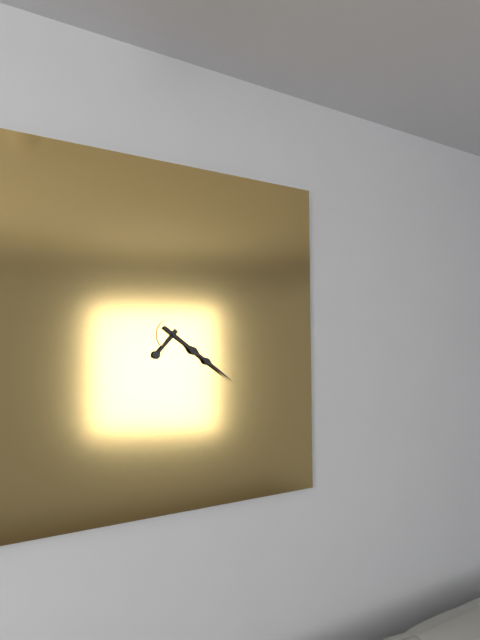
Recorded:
7 h 21 min
